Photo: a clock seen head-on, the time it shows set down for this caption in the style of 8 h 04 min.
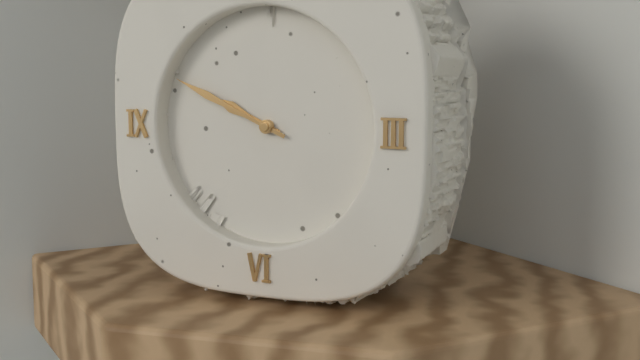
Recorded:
9 h 49 min
